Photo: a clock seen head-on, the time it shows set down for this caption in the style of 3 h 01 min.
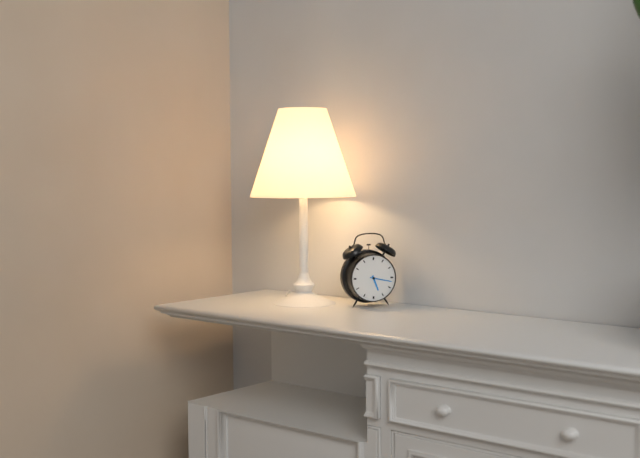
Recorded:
5 h 17 min
